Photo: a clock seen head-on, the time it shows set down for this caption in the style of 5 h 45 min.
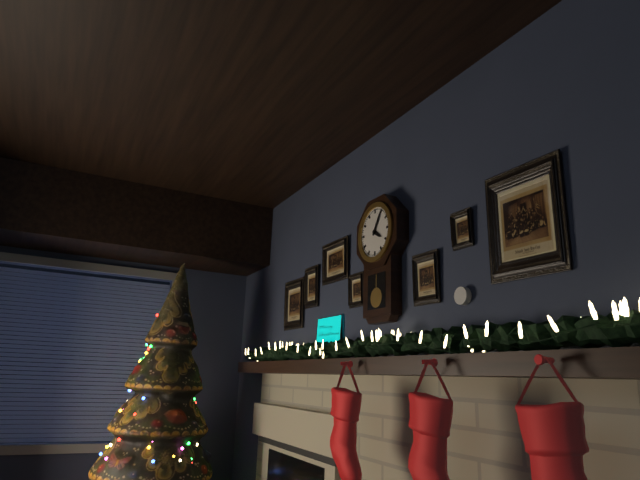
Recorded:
4 h 05 min
